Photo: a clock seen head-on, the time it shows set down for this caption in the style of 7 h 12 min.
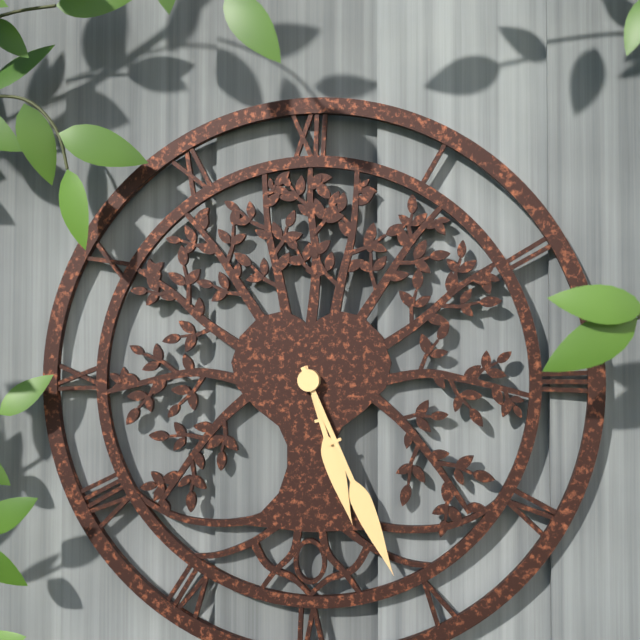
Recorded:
5 h 26 min
